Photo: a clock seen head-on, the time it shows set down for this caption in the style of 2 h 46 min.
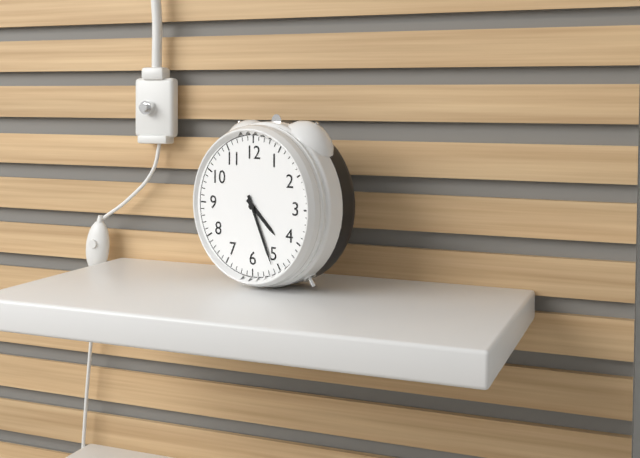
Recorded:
4 h 26 min
